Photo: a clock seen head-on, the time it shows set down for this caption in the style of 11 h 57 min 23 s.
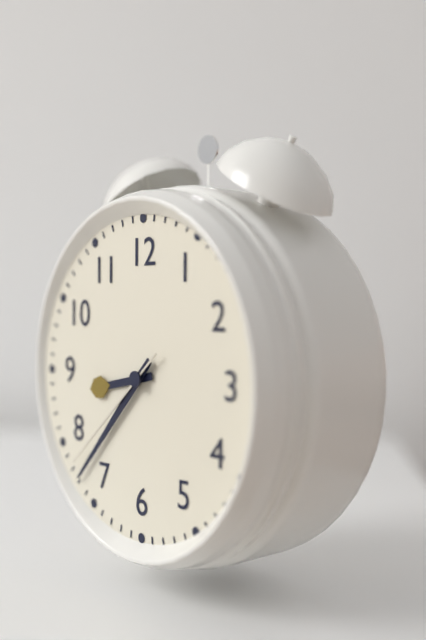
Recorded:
8 h 37 min 38 s
